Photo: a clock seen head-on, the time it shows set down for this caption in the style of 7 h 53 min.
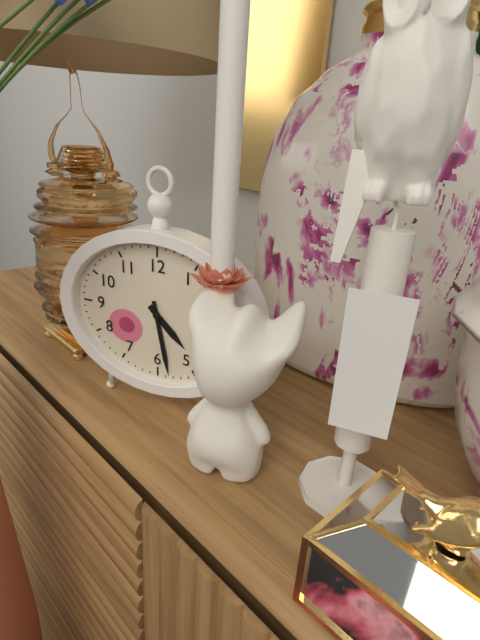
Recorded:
4 h 28 min
